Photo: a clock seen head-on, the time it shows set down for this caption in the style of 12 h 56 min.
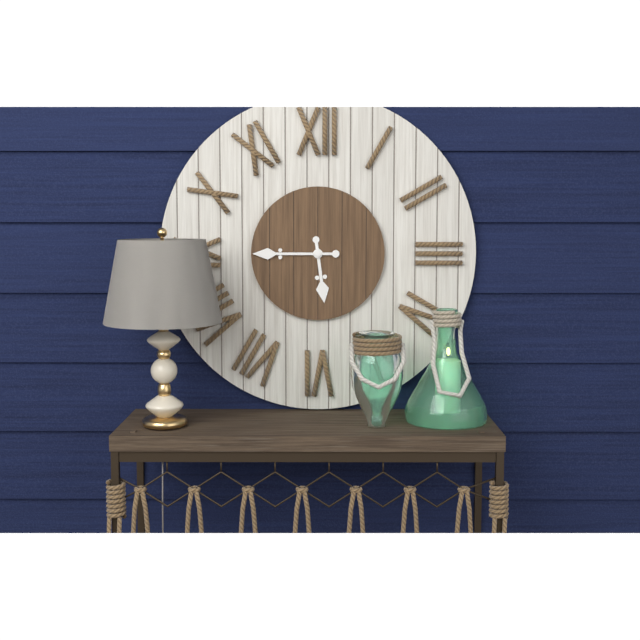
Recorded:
5 h 45 min
